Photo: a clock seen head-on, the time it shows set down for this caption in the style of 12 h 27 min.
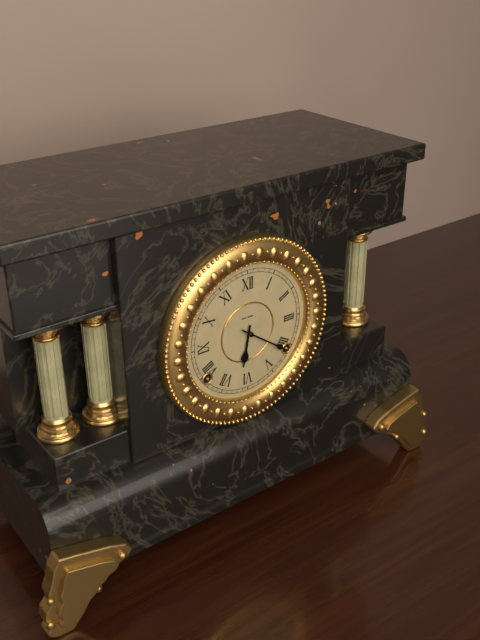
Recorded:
6 h 21 min
